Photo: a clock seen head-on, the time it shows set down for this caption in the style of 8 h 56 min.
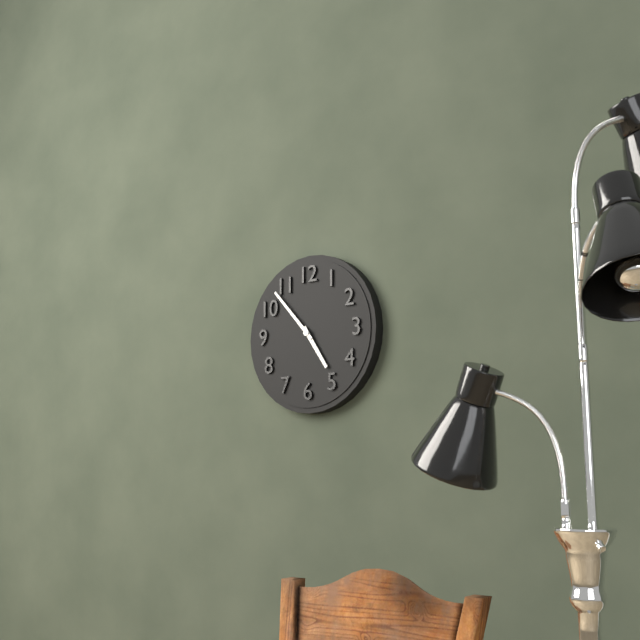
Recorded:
4 h 53 min
